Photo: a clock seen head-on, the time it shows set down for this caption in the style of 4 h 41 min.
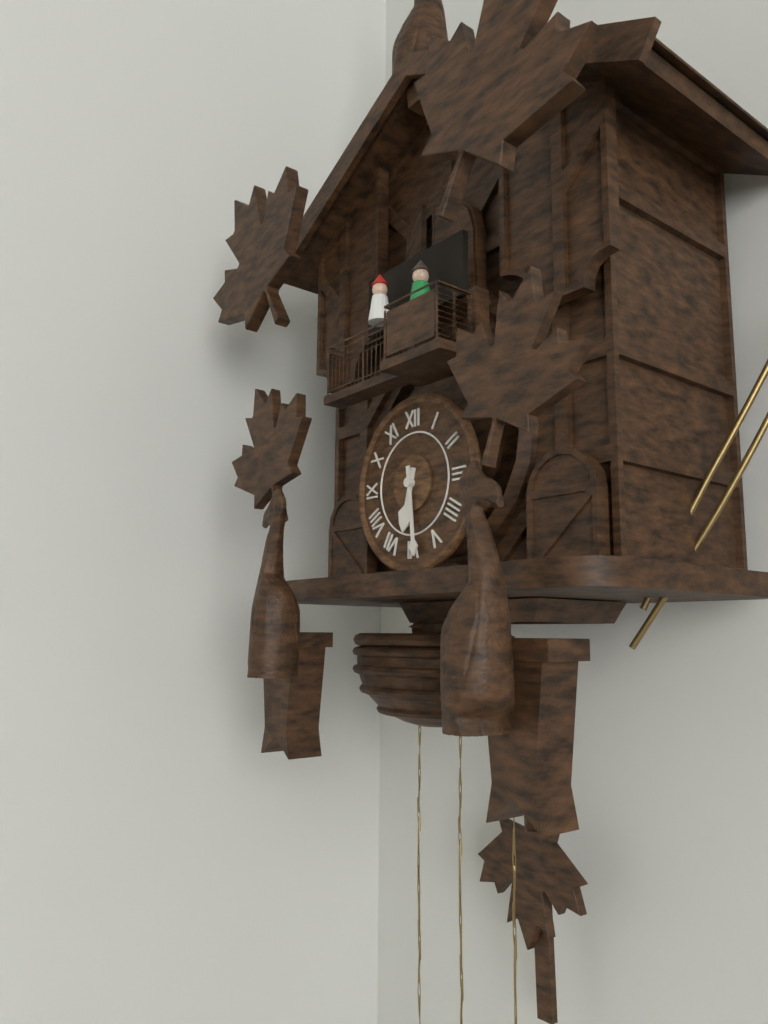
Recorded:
6 h 29 min
